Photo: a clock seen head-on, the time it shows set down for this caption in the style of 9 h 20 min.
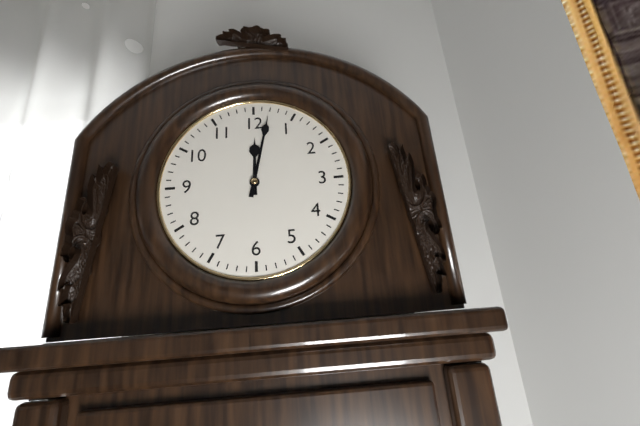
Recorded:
12 h 02 min
